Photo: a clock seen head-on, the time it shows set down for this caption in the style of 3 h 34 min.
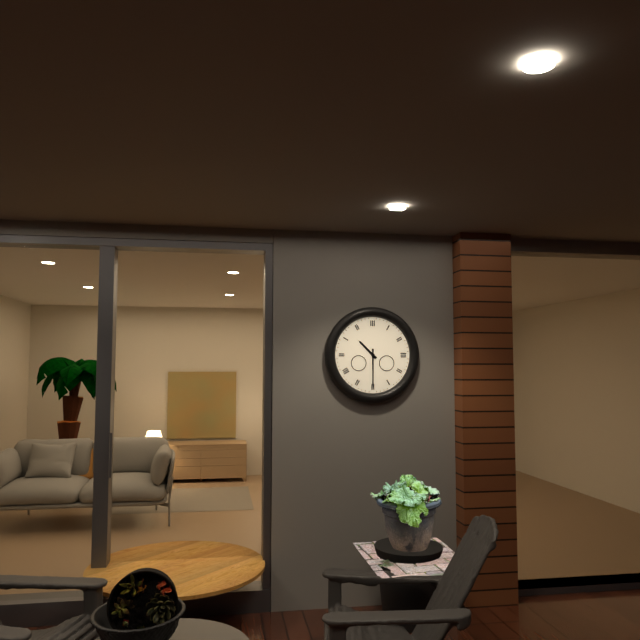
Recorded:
10 h 30 min
